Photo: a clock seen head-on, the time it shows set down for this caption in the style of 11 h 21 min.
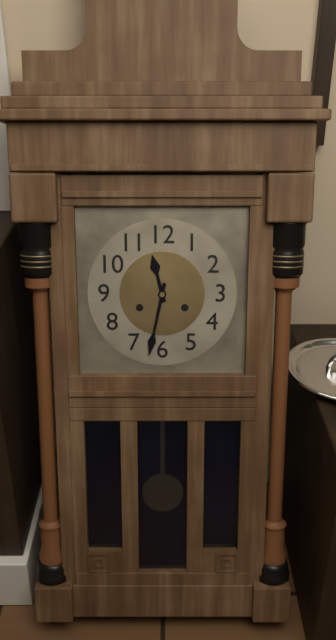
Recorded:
11 h 32 min
